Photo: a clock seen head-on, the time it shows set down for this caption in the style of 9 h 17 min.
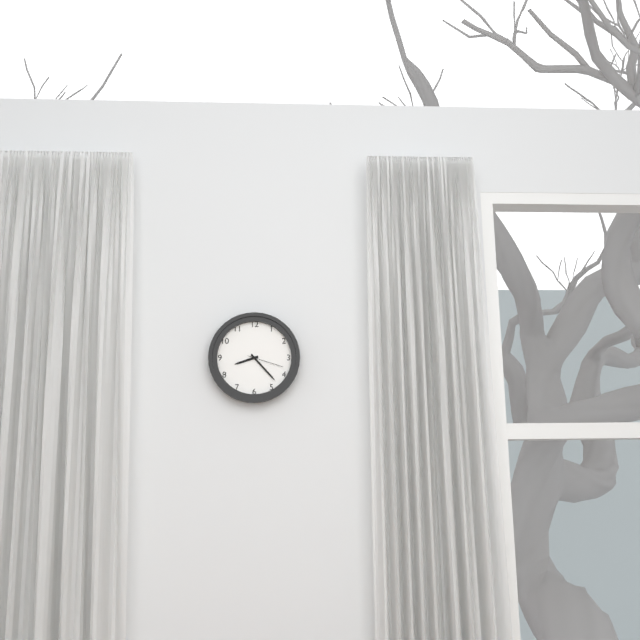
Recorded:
8 h 23 min
